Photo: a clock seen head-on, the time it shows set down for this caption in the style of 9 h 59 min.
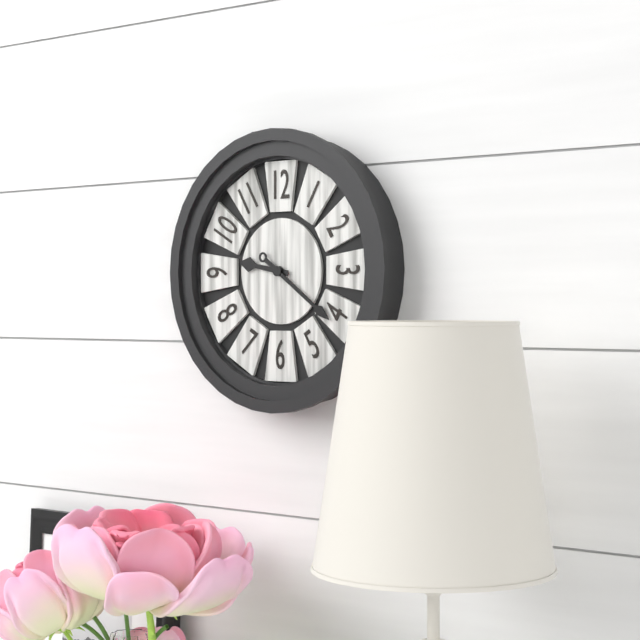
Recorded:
9 h 21 min
